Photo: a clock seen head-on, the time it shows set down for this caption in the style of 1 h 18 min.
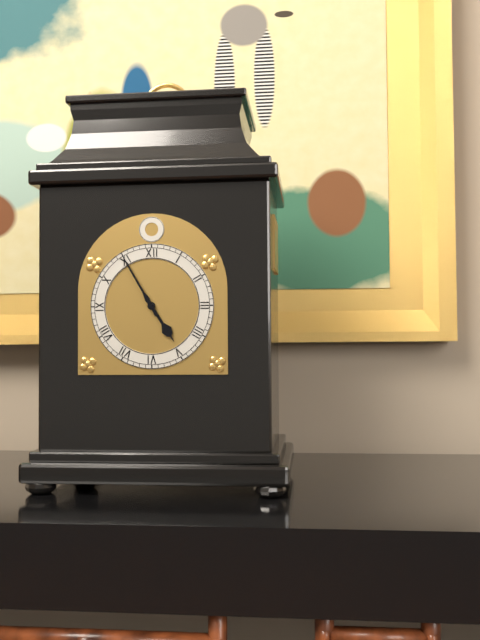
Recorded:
4 h 55 min
